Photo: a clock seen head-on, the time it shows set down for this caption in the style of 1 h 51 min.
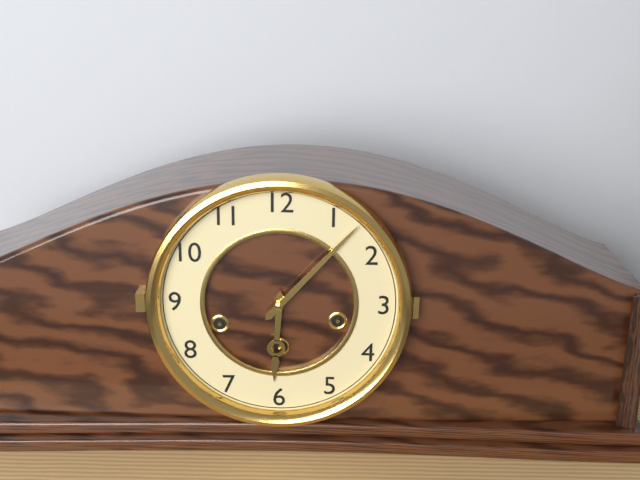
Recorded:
6 h 07 min
